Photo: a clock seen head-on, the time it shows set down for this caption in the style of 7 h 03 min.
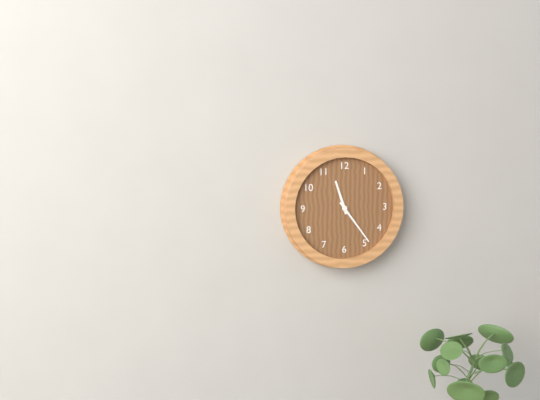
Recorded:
11 h 24 min
